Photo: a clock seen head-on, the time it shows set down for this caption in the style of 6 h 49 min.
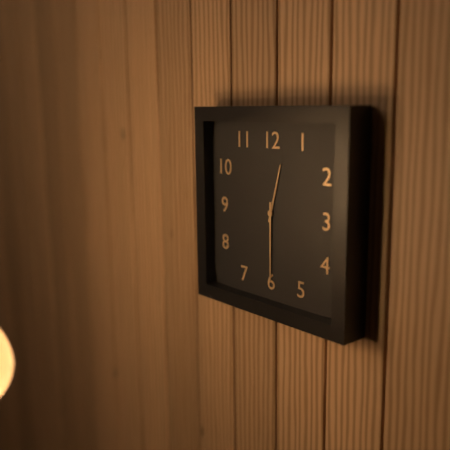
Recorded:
12 h 30 min
